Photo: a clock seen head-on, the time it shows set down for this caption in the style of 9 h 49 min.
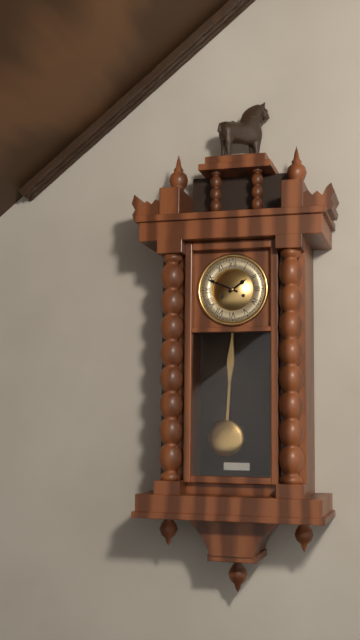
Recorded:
1 h 49 min
